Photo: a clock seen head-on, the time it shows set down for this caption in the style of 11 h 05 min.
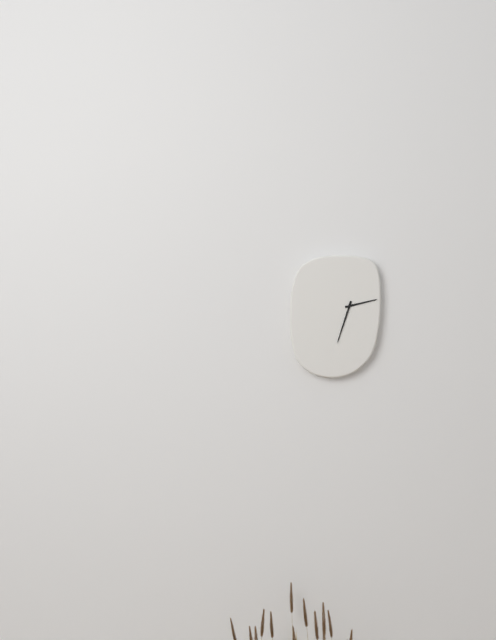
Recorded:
2 h 33 min
